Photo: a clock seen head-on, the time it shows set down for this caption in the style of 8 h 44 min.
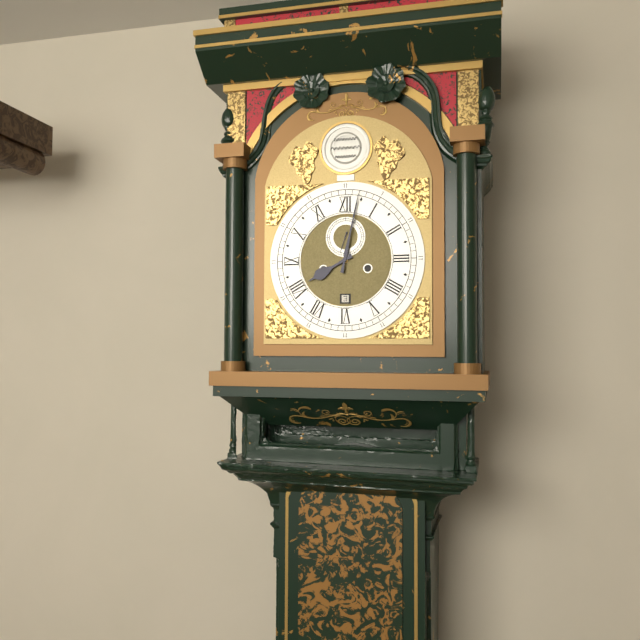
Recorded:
8 h 02 min
